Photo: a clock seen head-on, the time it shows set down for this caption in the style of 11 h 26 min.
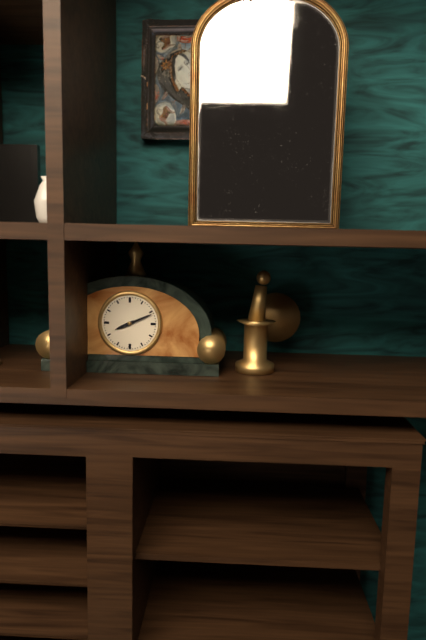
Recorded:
8 h 11 min
